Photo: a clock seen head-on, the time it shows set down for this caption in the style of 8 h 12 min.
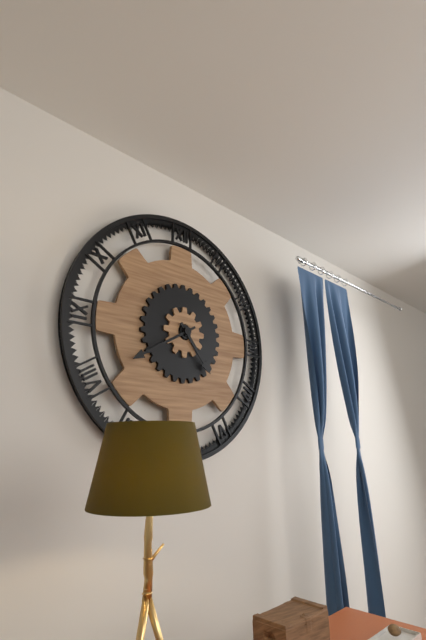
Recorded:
4 h 40 min
